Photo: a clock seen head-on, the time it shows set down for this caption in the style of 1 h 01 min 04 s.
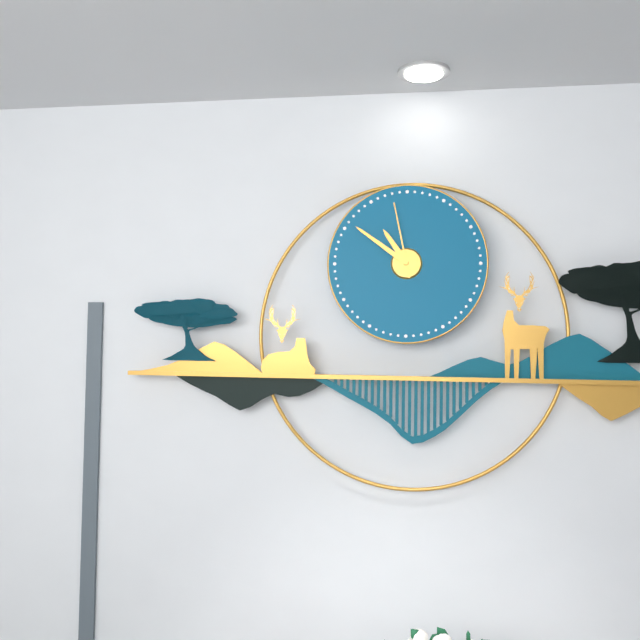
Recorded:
10 h 51 min 58 s
